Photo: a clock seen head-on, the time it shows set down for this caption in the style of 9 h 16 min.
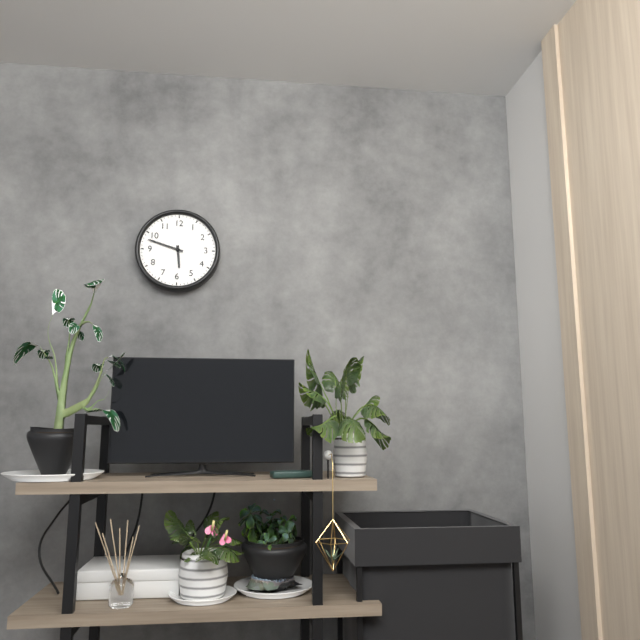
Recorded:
5 h 48 min
